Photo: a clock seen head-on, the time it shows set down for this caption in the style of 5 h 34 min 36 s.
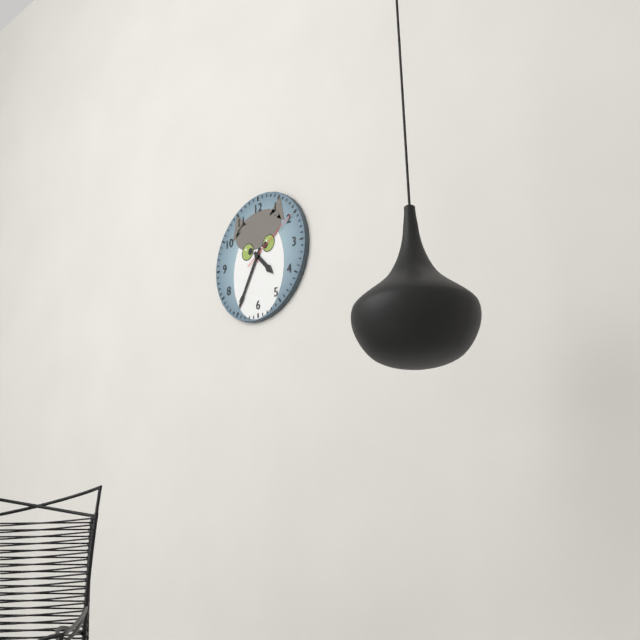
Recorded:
4 h 35 min 10 s
